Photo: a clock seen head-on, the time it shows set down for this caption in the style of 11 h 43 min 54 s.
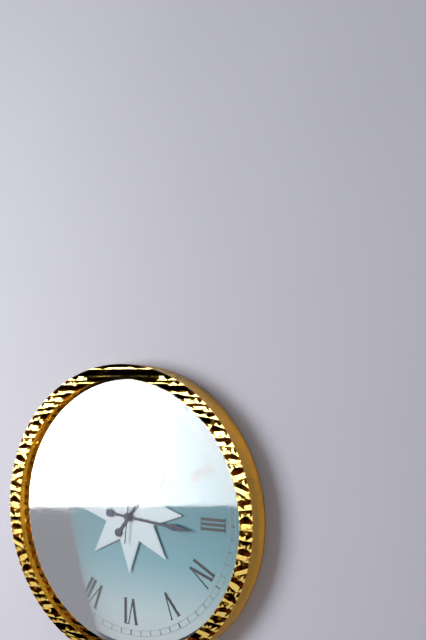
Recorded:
1 h 16 min 01 s
